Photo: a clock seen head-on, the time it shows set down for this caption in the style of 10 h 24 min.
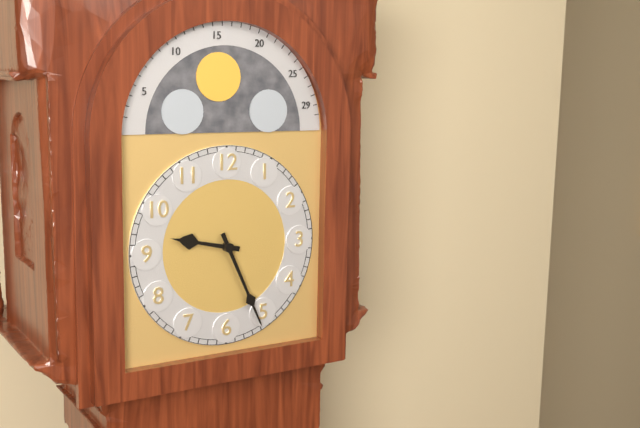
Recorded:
9 h 26 min
